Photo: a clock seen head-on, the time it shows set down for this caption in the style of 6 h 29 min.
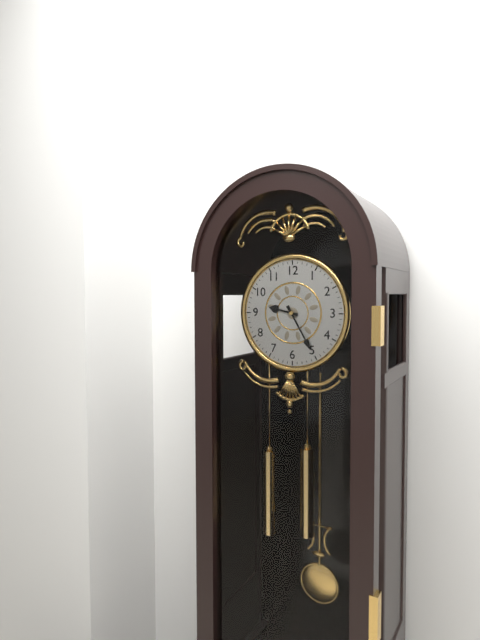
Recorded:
9 h 25 min
